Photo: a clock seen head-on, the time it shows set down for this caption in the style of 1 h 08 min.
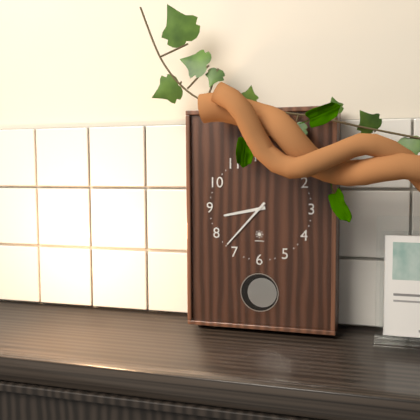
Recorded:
8 h 37 min
